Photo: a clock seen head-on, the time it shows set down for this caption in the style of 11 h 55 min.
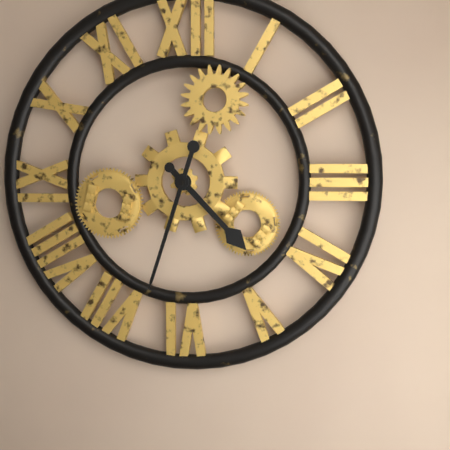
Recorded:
4 h 33 min
